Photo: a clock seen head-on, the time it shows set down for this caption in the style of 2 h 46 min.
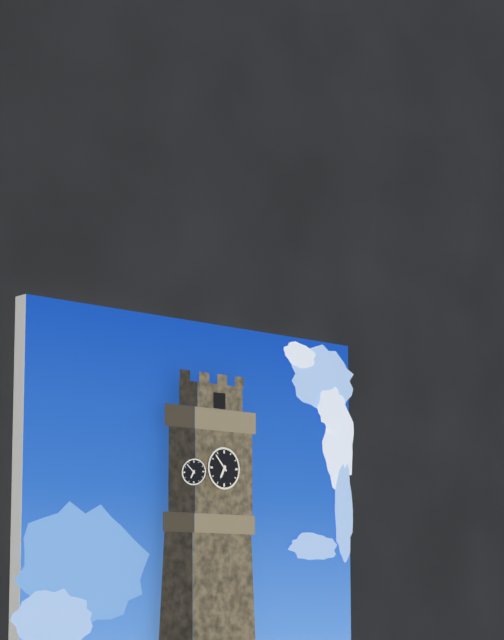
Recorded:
6 h 53 min
